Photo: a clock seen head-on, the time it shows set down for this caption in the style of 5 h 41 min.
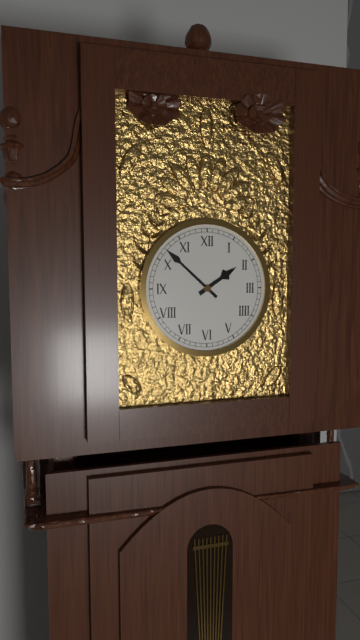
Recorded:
1 h 52 min
